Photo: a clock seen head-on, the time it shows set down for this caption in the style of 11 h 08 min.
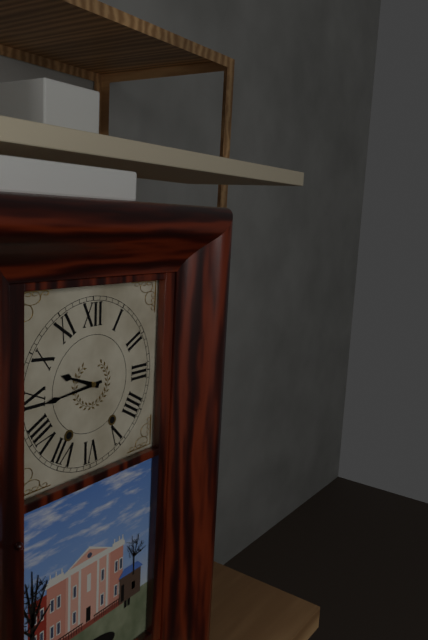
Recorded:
9 h 44 min
